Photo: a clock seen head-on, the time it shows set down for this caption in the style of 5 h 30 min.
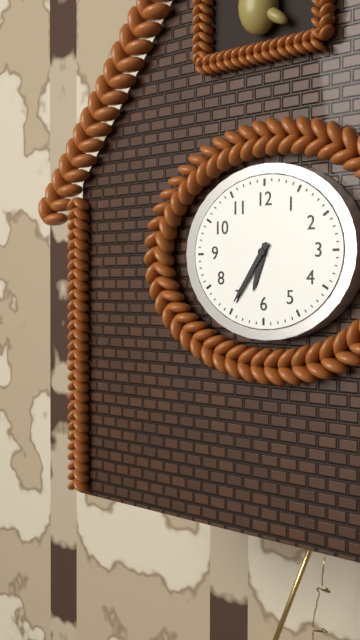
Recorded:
6 h 36 min
